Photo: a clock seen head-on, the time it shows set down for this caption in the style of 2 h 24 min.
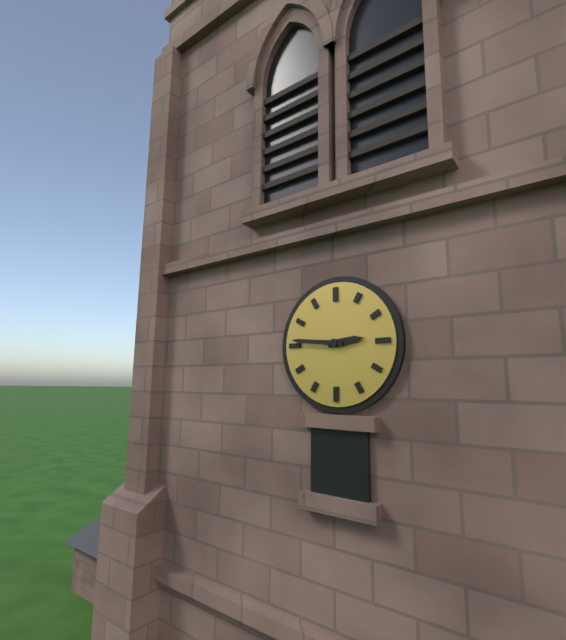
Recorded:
2 h 46 min
